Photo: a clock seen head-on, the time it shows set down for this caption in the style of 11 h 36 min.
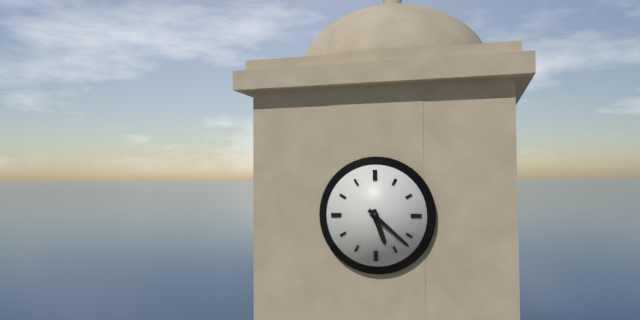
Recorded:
5 h 22 min
